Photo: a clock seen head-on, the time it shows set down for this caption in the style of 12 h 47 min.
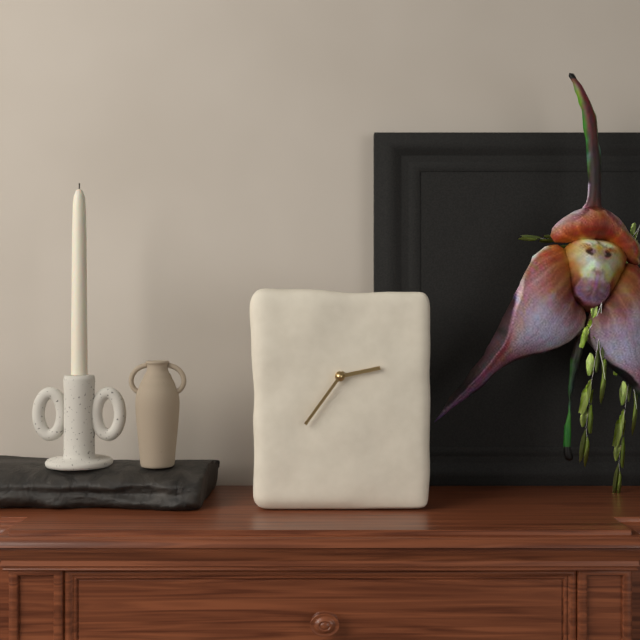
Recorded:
2 h 36 min
